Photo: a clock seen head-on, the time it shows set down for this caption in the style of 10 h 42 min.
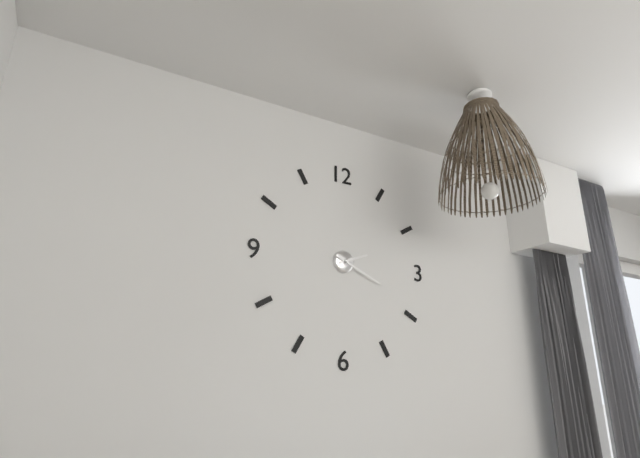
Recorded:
2 h 19 min
